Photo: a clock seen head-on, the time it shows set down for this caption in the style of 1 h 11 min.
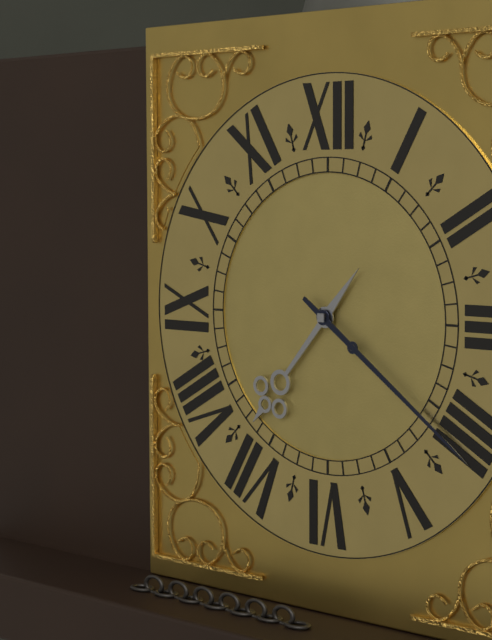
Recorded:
7 h 21 min
